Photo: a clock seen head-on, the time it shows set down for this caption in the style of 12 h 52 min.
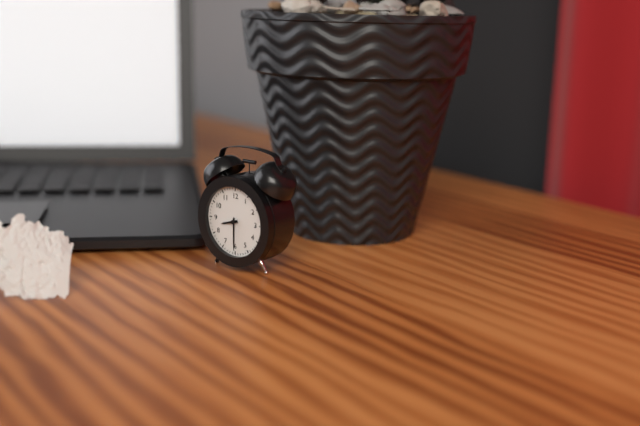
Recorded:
8 h 30 min
